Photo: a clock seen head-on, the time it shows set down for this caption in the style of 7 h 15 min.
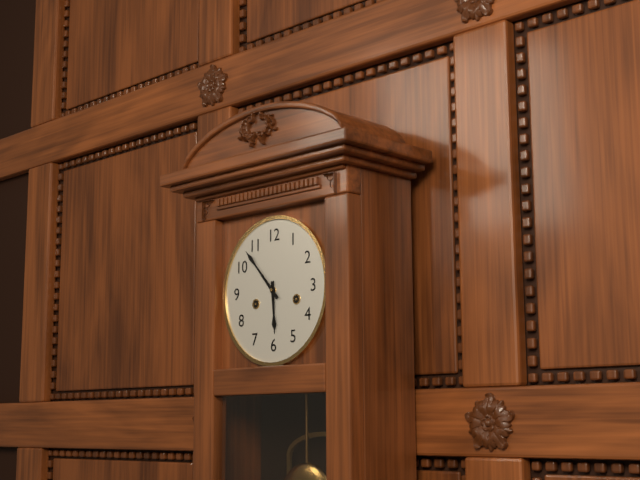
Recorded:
5 h 53 min
